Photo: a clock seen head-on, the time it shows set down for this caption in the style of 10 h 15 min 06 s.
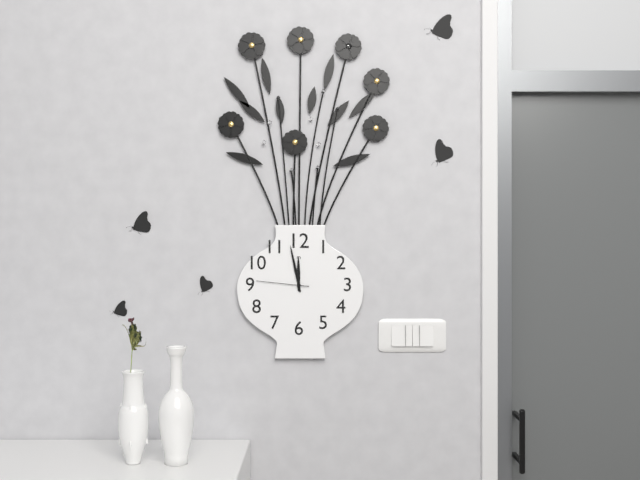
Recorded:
11 h 58 min 46 s
